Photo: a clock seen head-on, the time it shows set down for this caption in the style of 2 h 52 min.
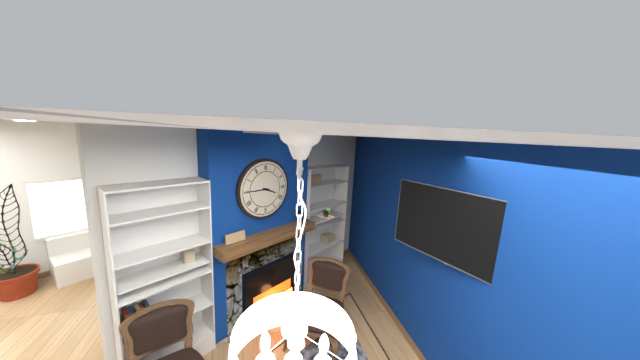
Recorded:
3 h 45 min
